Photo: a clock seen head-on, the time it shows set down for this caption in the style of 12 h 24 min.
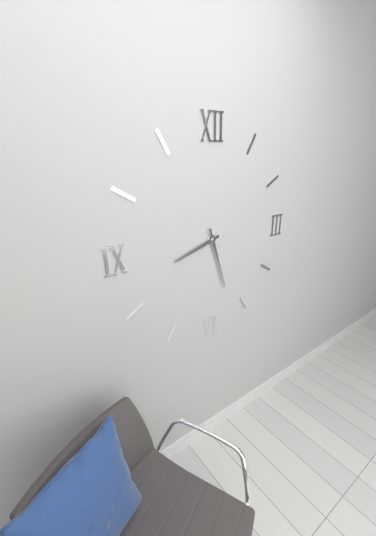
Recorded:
8 h 27 min
